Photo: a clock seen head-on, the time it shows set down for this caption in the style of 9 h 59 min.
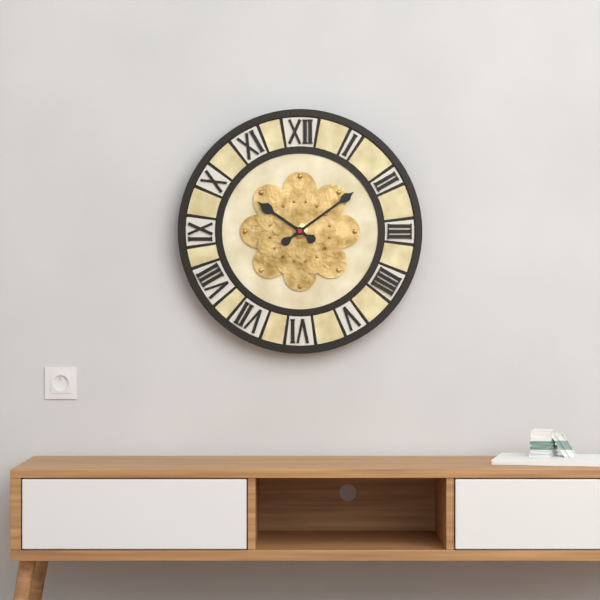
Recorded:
10 h 09 min
